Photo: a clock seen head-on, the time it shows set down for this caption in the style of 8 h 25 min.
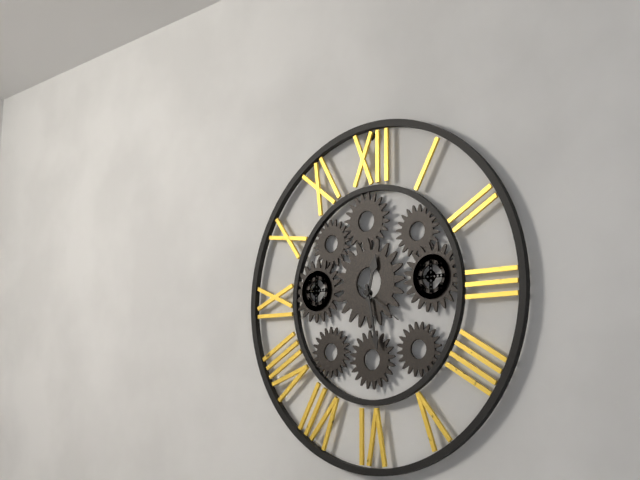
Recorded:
12 h 28 min
